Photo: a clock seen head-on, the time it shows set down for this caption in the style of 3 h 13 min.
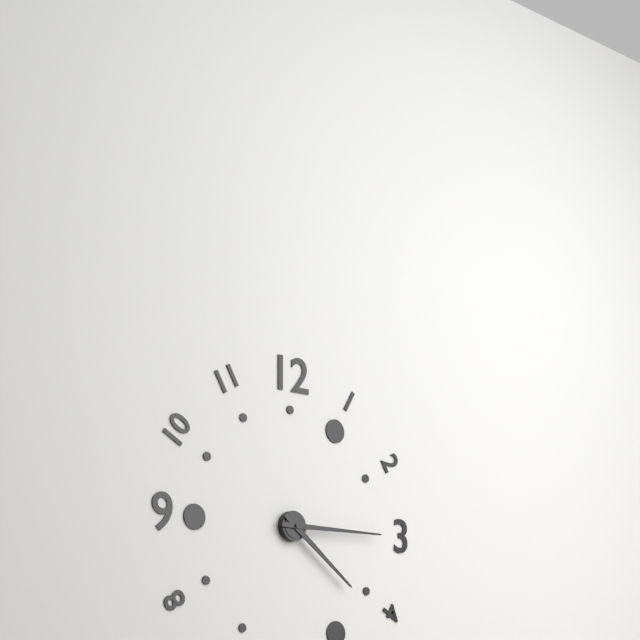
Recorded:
4 h 15 min
